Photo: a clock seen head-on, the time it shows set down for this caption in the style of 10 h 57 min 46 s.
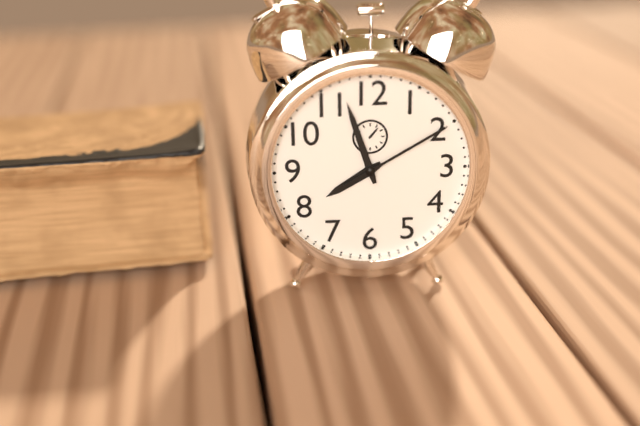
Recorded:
7 h 57 min 10 s
